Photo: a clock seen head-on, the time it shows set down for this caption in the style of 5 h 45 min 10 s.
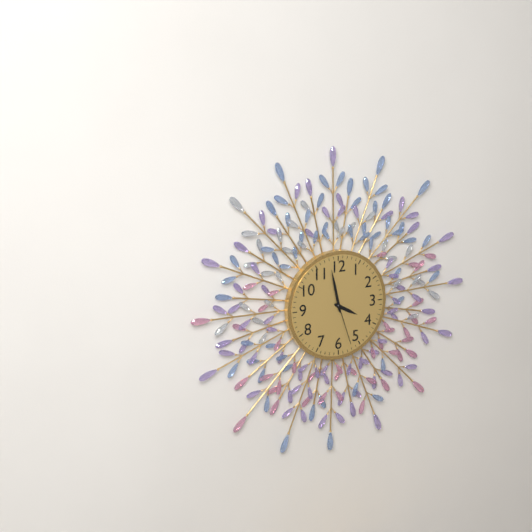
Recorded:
3 h 58 min 27 s
